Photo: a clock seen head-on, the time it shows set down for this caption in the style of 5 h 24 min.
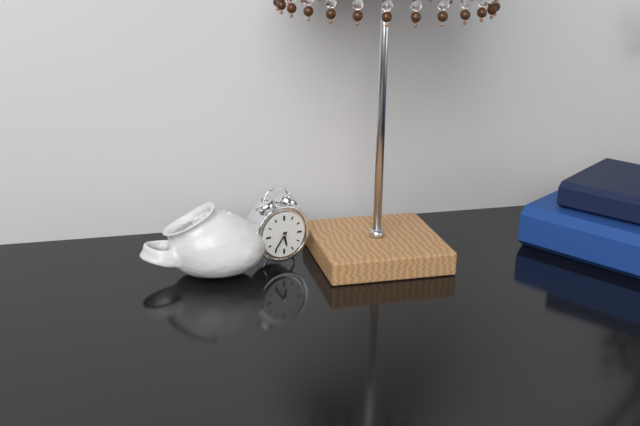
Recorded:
5 h 36 min
